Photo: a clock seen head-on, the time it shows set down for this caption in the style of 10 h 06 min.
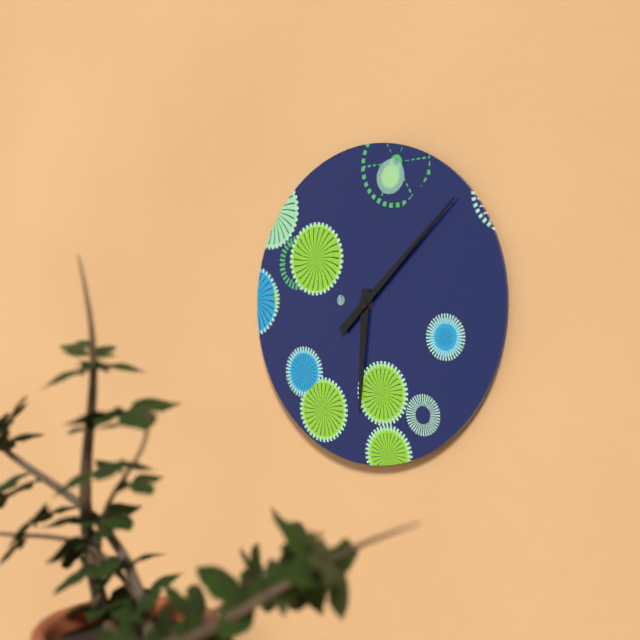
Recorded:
6 h 08 min
